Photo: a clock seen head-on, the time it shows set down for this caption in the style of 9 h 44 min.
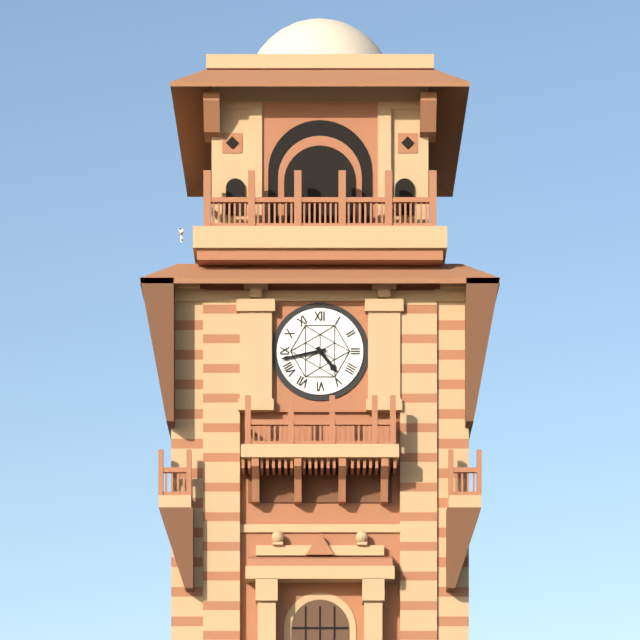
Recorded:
4 h 43 min
